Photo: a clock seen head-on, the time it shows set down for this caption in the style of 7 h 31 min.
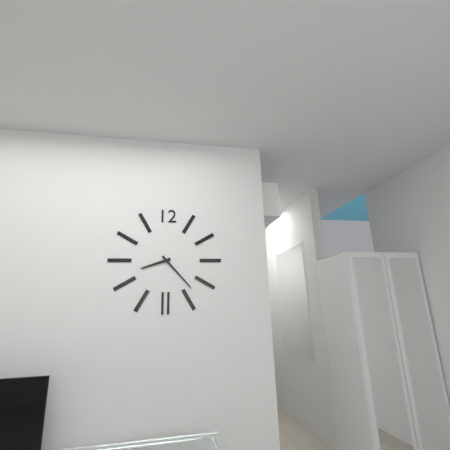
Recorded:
8 h 23 min
